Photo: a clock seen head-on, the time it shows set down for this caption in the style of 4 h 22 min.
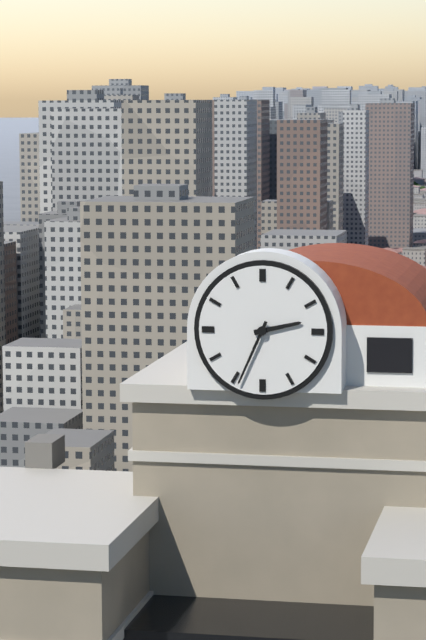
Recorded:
2 h 34 min
